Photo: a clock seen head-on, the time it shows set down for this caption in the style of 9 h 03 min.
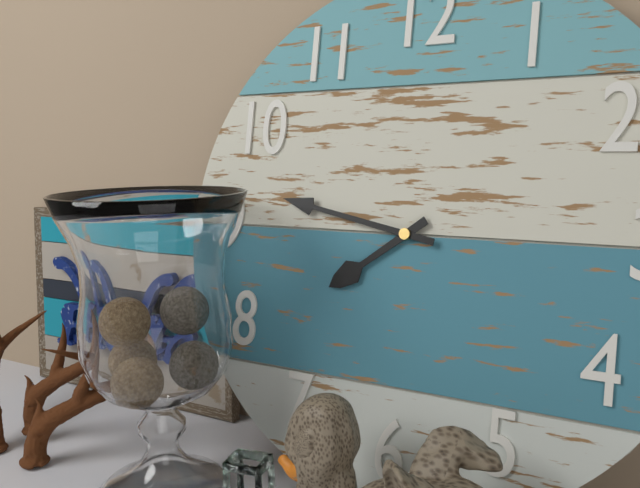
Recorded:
7 h 47 min
